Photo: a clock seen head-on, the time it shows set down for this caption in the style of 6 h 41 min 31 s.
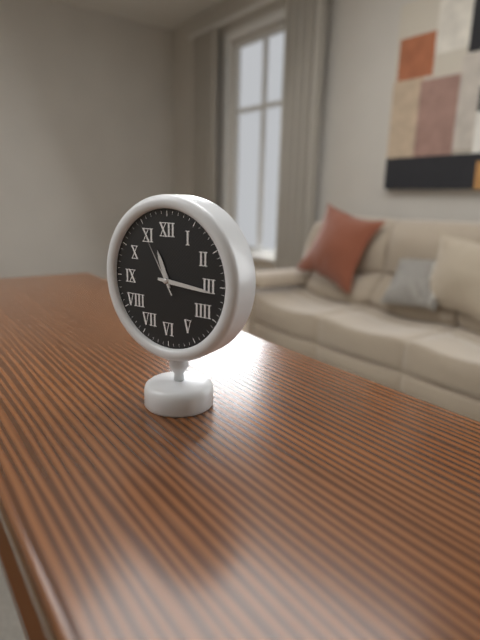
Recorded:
11 h 16 min 55 s
